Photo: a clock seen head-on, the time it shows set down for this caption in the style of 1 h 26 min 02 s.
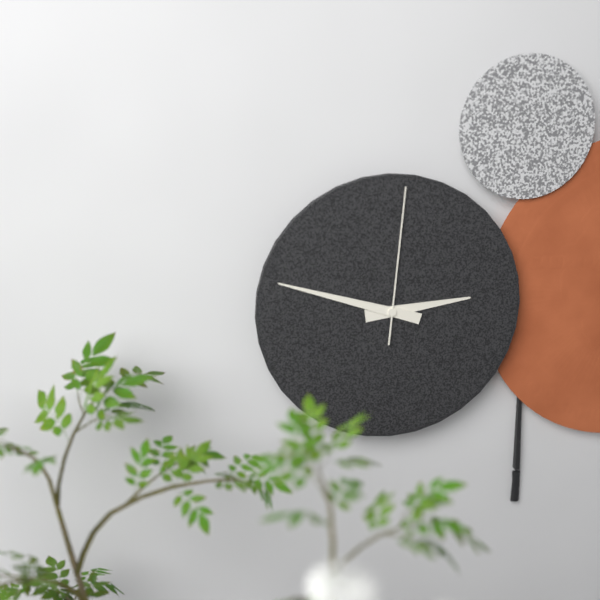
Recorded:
2 h 48 min 01 s
